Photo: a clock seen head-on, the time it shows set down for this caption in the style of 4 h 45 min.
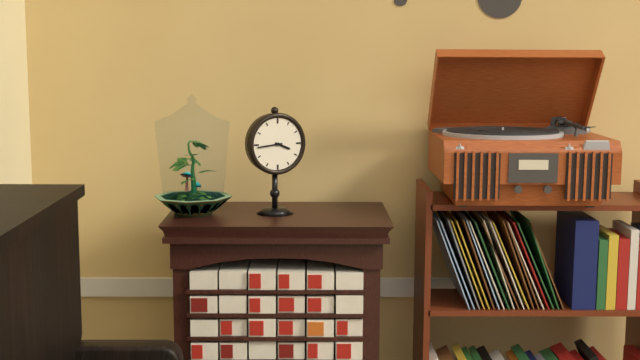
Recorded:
3 h 44 min
